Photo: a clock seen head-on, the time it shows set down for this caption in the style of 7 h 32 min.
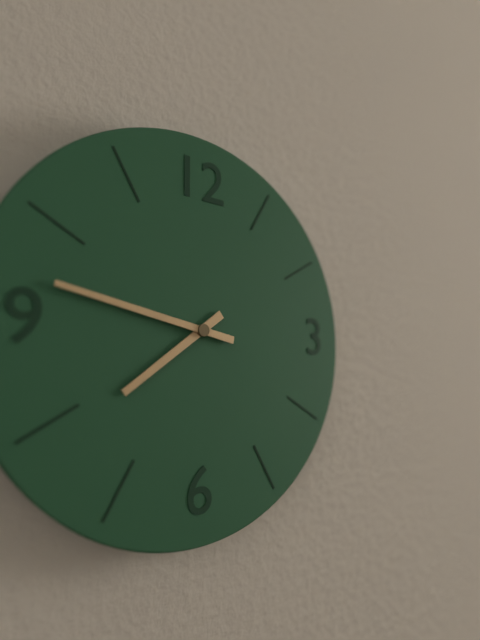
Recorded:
7 h 47 min
